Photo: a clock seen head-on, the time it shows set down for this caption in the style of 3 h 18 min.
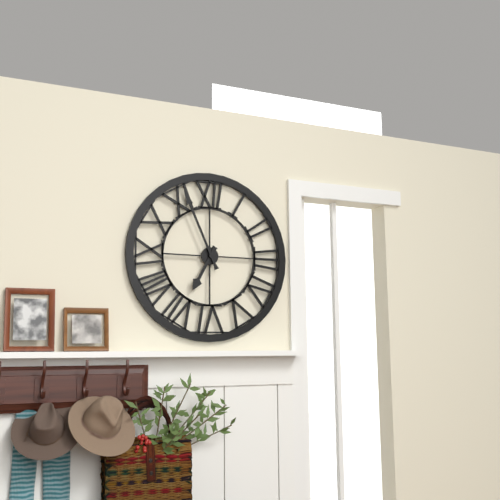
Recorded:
6 h 56 min
